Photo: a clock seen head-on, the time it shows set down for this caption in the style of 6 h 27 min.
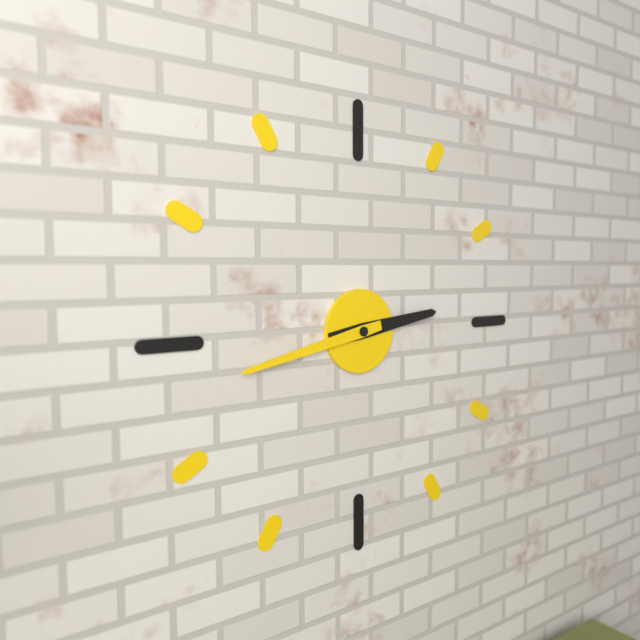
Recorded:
2 h 43 min
